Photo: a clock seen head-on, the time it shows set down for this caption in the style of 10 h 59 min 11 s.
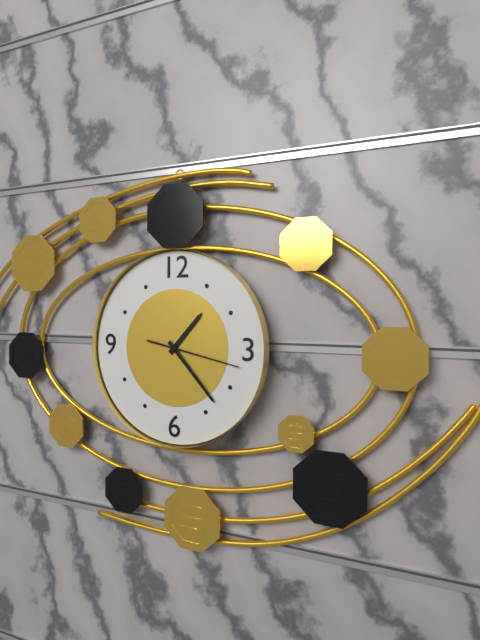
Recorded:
1 h 23 min 17 s
